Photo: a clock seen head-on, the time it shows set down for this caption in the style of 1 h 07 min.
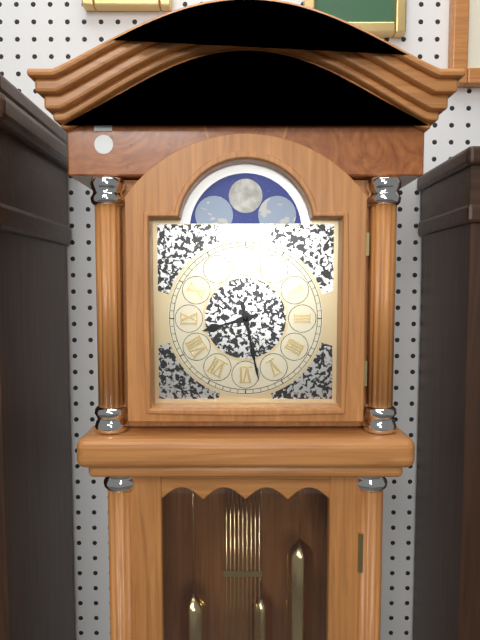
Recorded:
8 h 28 min
